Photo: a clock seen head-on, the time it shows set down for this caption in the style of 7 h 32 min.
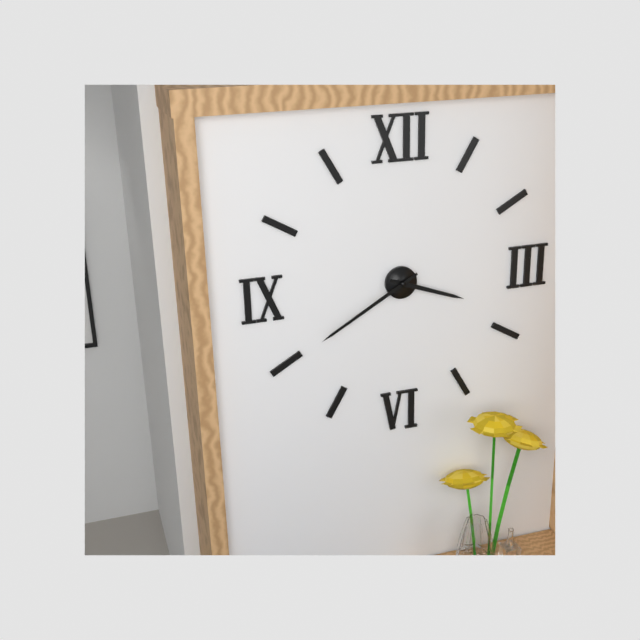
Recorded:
3 h 40 min
